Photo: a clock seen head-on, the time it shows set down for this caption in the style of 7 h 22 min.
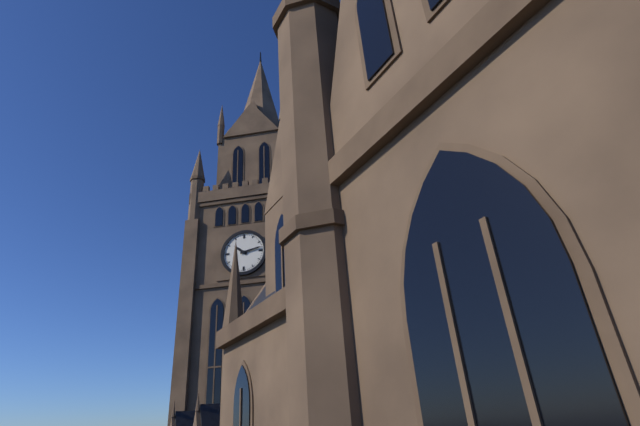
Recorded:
10 h 13 min
